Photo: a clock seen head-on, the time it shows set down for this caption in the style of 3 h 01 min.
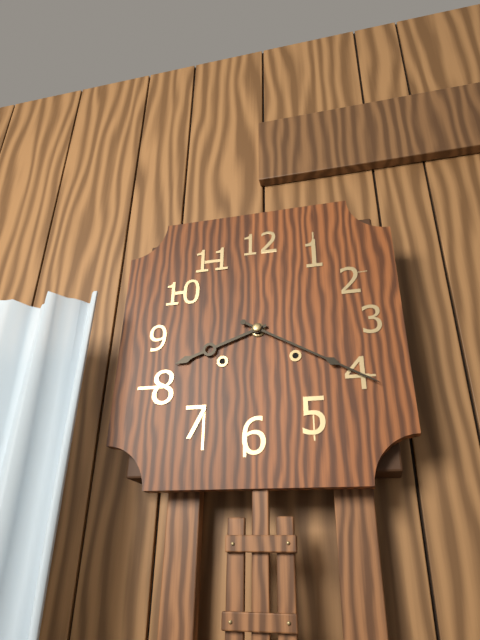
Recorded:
8 h 20 min
